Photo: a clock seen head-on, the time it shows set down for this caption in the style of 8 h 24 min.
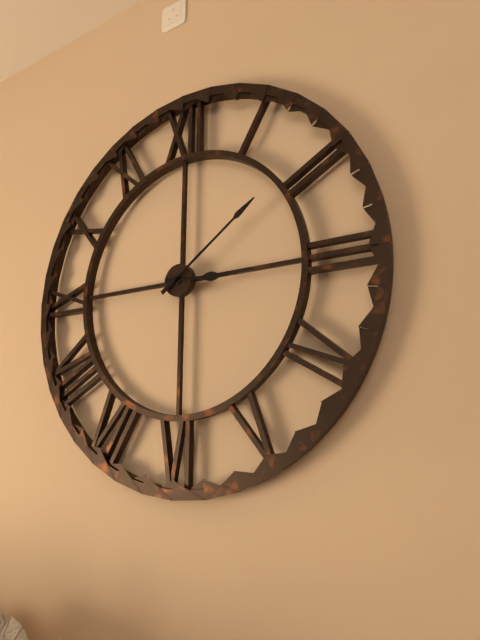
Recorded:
3 h 09 min
